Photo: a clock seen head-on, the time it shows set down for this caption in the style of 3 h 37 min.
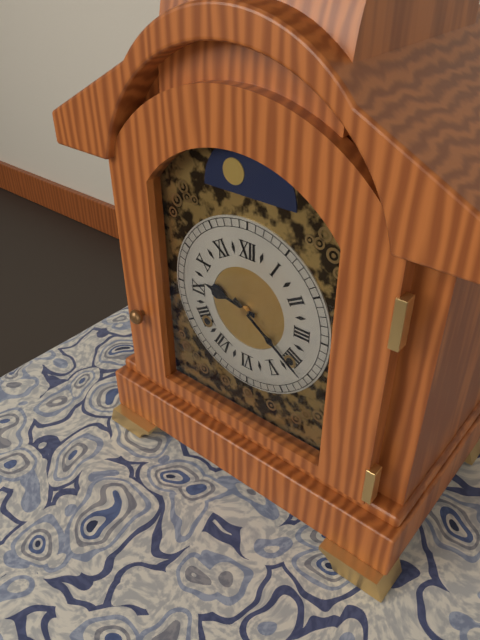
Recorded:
9 h 21 min
